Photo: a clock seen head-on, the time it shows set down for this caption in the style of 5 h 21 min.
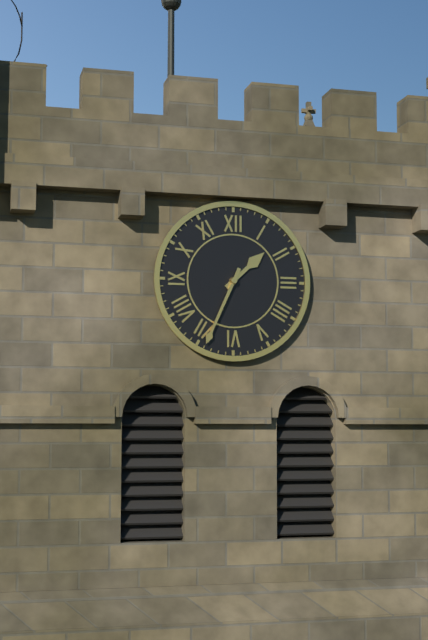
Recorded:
1 h 34 min
